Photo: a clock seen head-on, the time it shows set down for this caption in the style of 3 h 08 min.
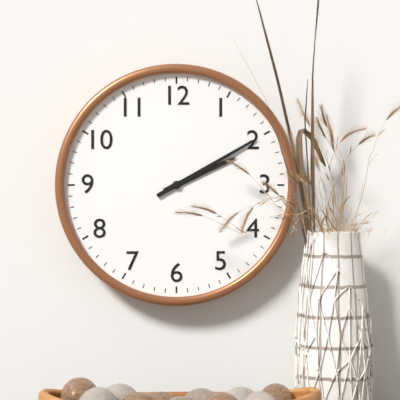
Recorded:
2 h 10 min
